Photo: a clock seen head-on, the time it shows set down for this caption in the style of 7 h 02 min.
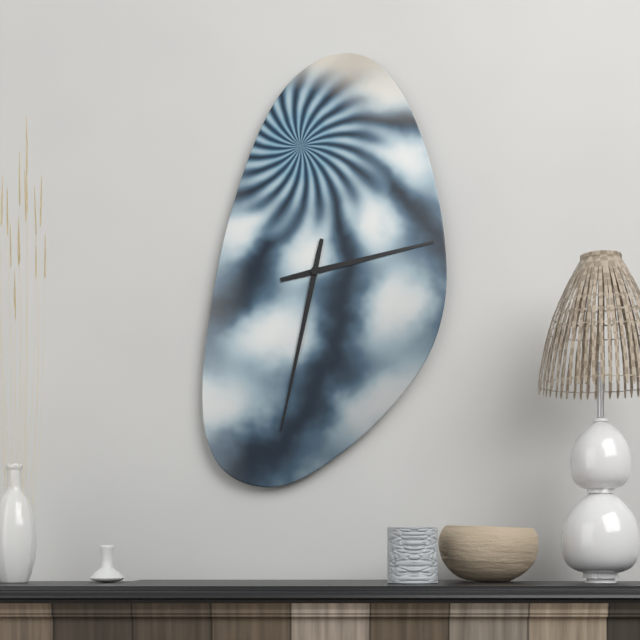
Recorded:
2 h 32 min
